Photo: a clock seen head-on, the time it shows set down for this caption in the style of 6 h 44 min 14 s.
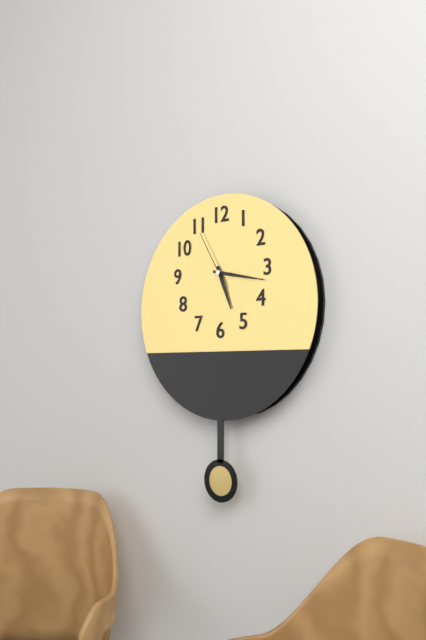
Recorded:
5 h 17 min 55 s
